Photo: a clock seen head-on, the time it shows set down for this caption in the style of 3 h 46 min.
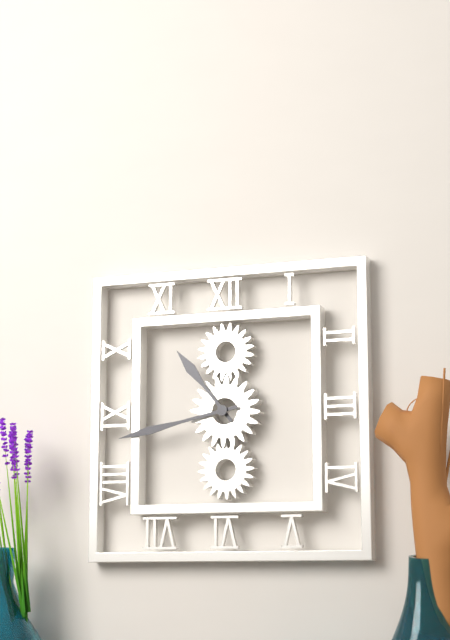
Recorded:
10 h 43 min
